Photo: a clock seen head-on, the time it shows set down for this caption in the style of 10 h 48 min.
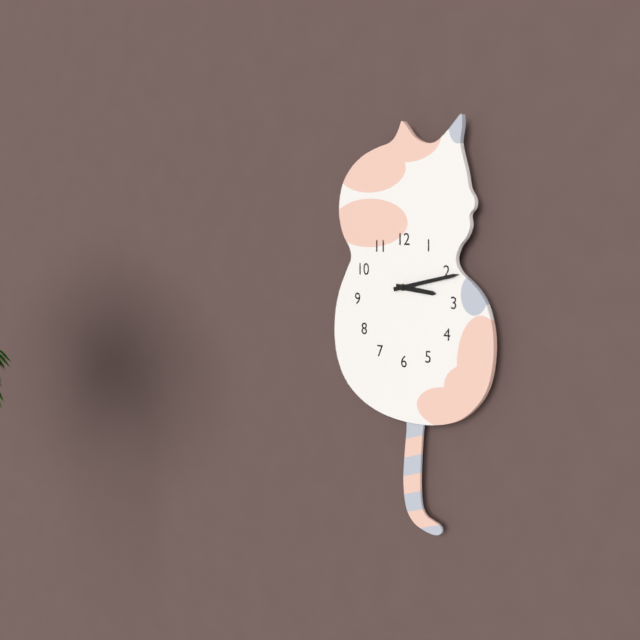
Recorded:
3 h 13 min
